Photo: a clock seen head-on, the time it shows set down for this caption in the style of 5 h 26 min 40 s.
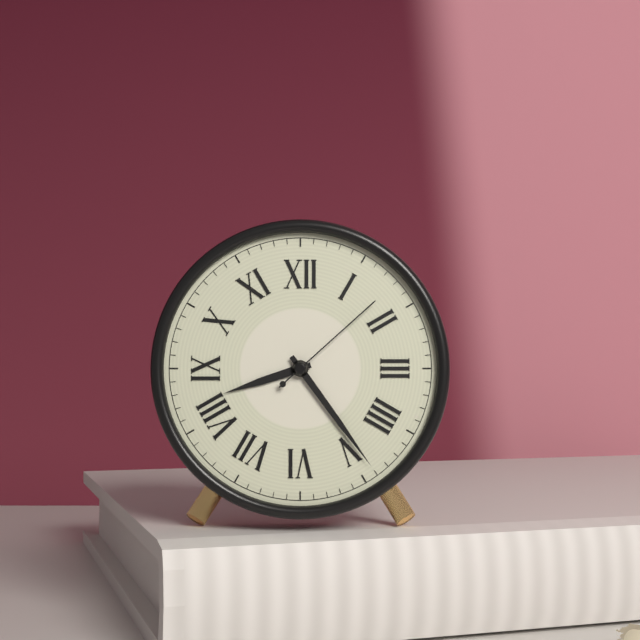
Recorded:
8 h 24 min 08 s
